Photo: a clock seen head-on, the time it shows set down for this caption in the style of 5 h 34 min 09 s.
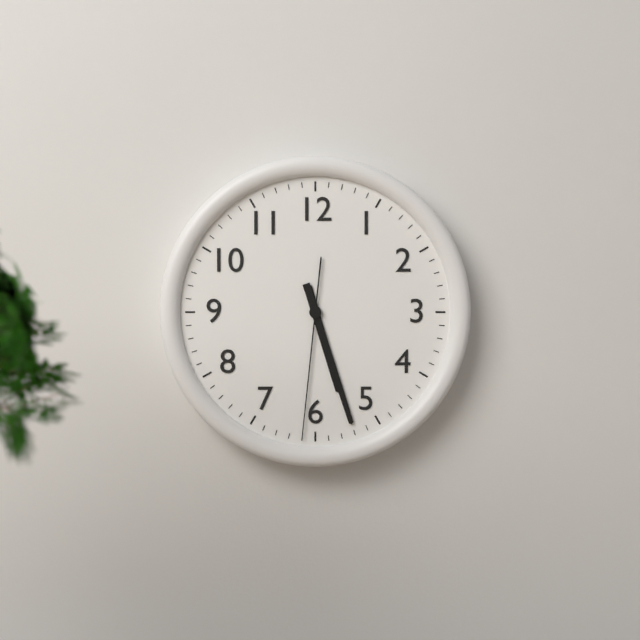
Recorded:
5 h 27 min 31 s
